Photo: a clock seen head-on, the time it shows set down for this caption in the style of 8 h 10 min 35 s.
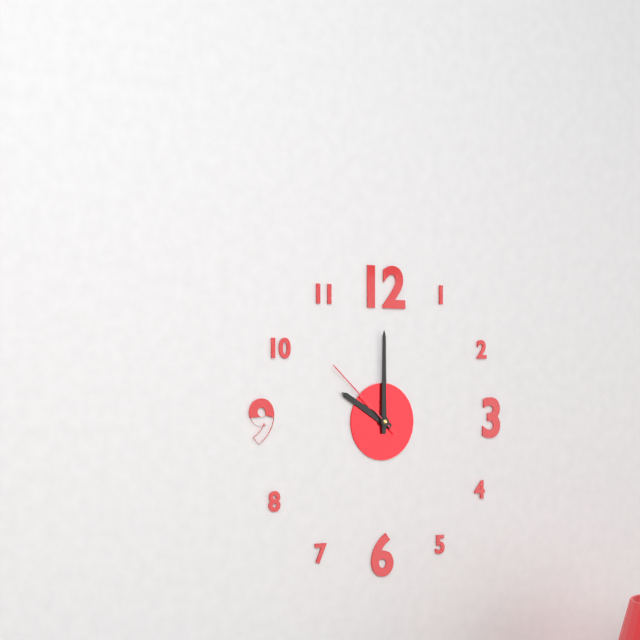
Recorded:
10 h 00 min 52 s
